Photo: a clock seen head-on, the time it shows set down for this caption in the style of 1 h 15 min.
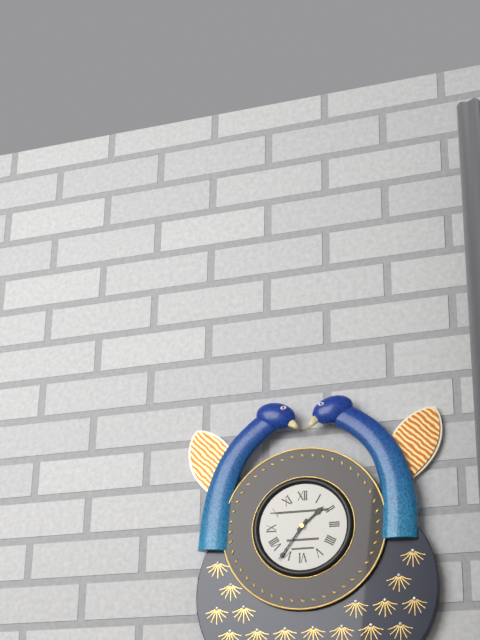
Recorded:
1 h 36 min
